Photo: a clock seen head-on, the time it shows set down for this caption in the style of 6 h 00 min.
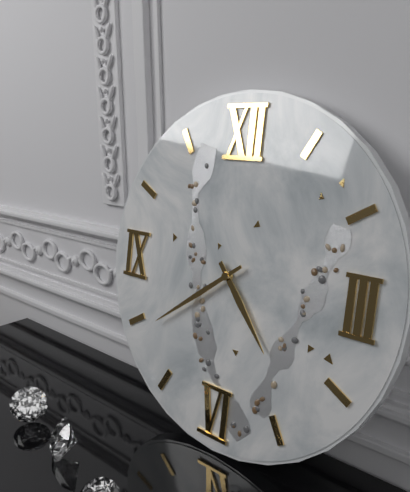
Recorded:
4 h 39 min
